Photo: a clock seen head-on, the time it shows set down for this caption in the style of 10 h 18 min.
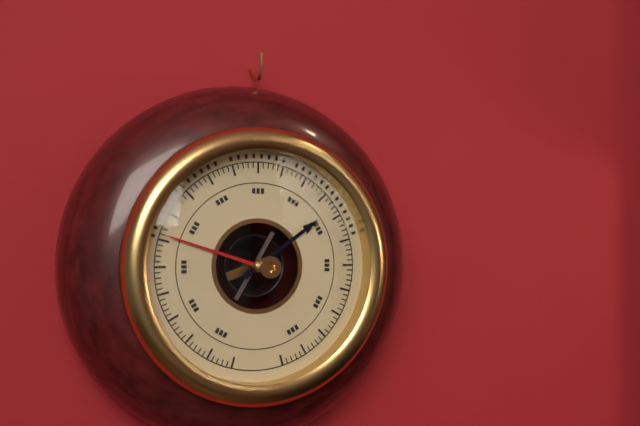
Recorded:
1 h 48 min
